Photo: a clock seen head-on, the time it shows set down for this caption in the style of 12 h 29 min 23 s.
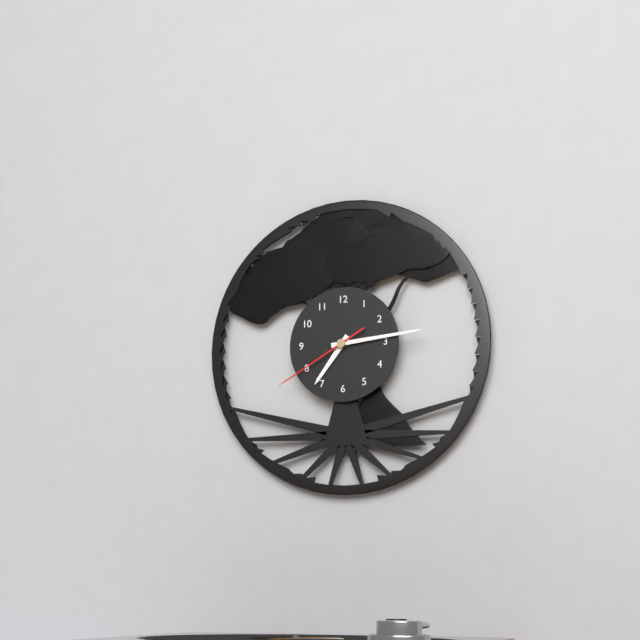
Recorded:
7 h 14 min 40 s
